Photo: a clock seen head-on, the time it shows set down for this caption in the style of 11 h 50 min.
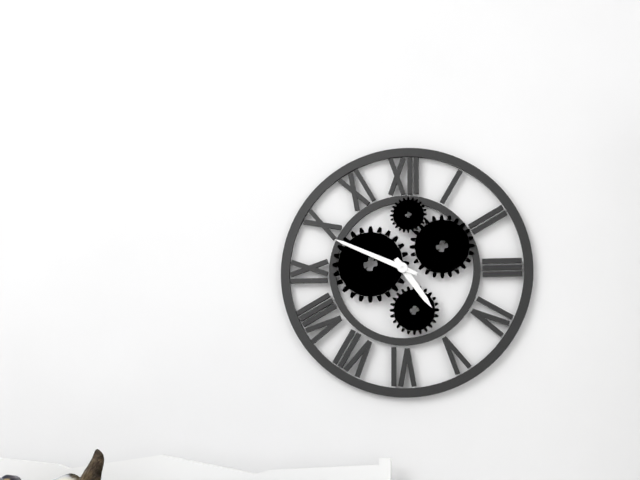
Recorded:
4 h 49 min
